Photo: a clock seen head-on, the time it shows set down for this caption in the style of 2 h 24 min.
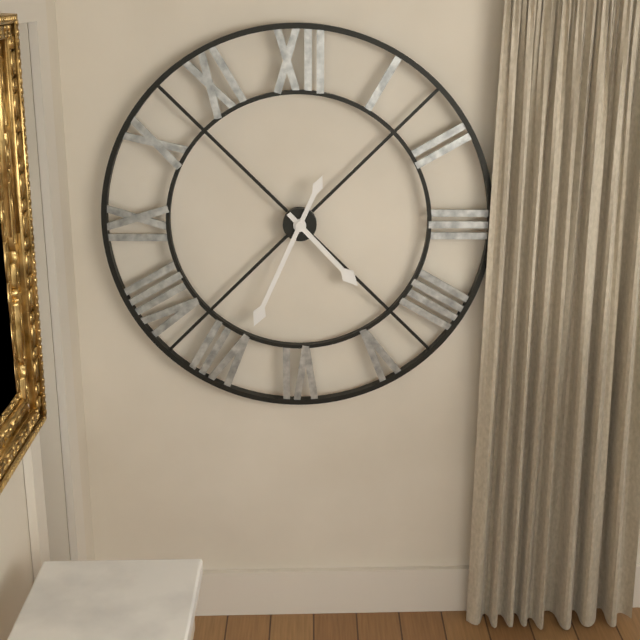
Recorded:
4 h 34 min
